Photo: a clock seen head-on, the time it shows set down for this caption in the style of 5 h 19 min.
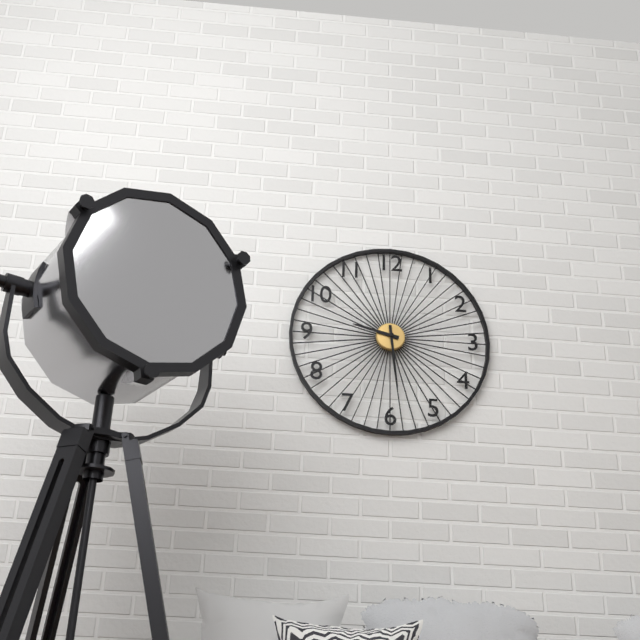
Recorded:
9 h 29 min
